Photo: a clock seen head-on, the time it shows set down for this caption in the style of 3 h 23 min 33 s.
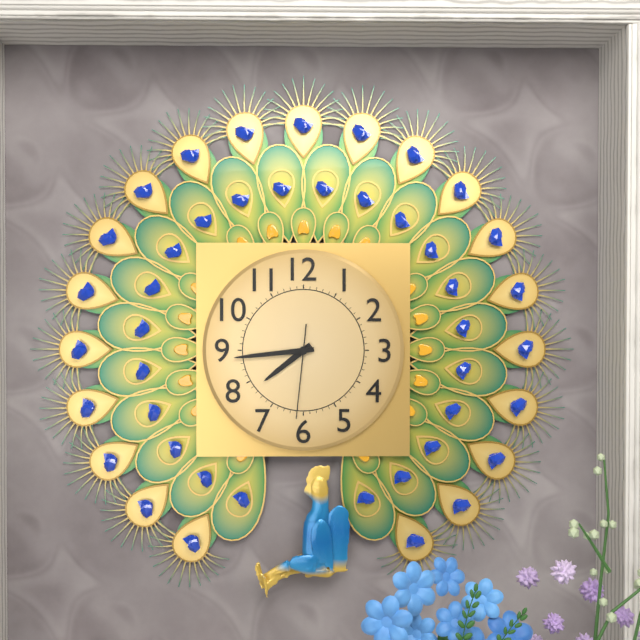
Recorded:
7 h 44 min 31 s
